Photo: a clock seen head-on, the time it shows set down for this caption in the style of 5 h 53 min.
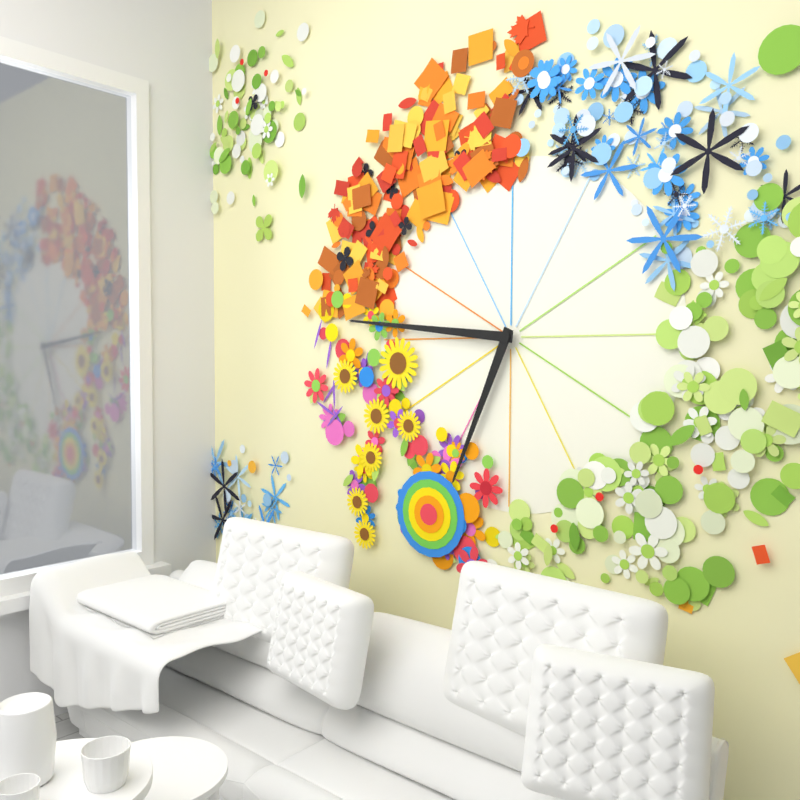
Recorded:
6 h 46 min
